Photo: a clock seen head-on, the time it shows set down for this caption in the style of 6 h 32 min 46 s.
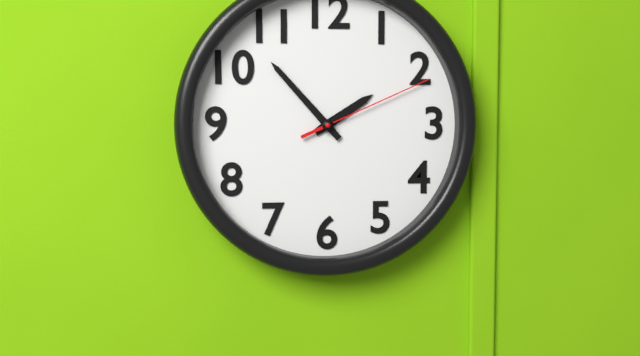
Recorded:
1 h 53 min 11 s
